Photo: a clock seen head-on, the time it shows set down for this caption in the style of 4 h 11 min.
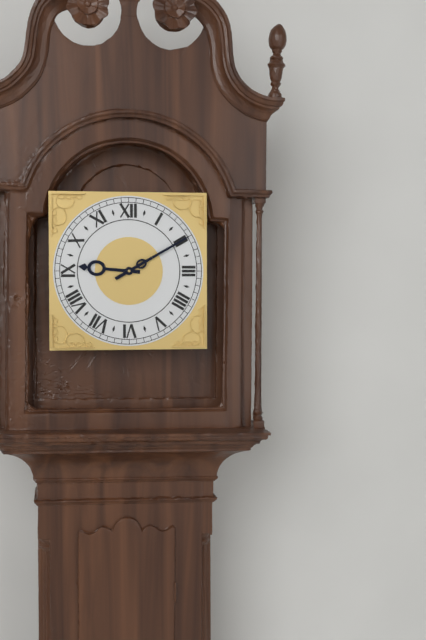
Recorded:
9 h 10 min
